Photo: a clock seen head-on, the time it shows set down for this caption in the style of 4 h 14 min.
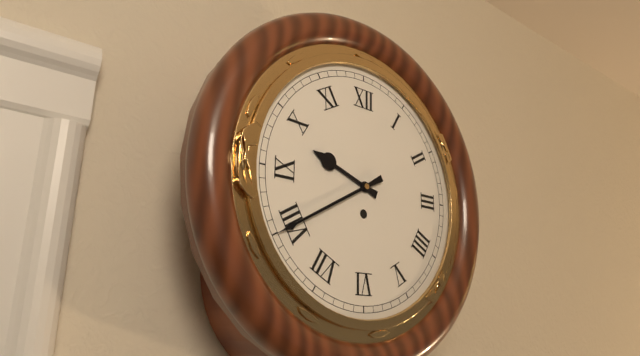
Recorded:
9 h 40 min
